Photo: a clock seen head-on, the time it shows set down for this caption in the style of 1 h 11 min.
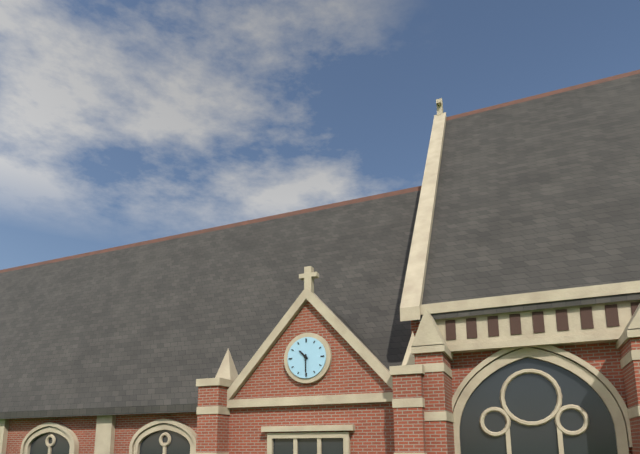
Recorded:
10 h 30 min
